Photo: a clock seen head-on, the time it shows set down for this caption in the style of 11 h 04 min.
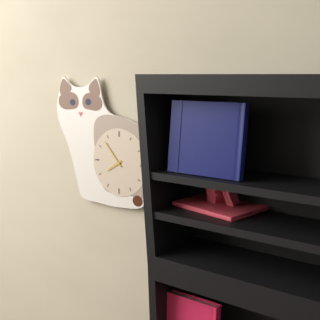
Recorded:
7 h 53 min
